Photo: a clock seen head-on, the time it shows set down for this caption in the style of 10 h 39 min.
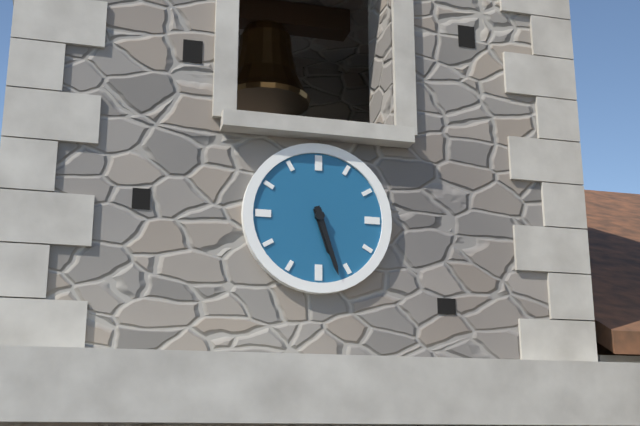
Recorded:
5 h 27 min
